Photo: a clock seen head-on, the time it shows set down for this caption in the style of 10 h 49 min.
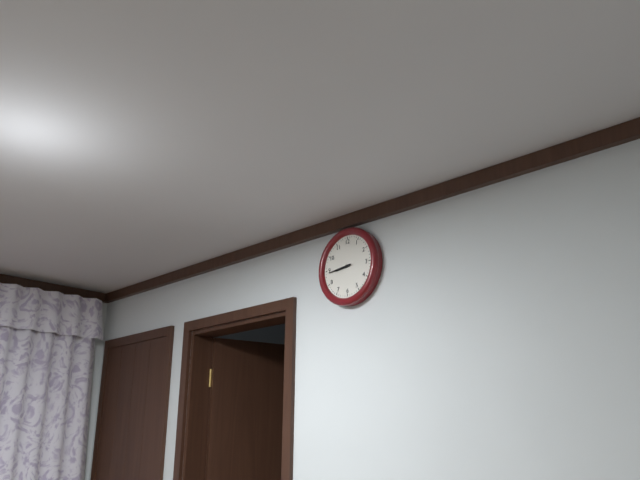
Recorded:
8 h 44 min
